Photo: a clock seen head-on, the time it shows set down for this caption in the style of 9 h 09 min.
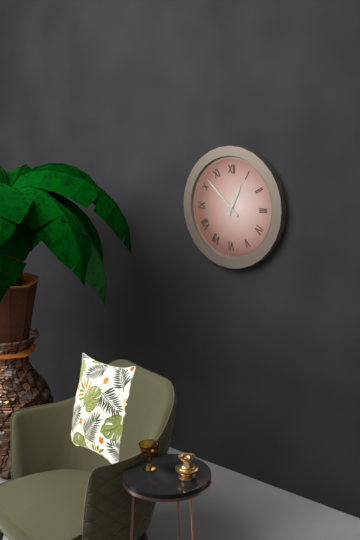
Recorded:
12 h 52 min
